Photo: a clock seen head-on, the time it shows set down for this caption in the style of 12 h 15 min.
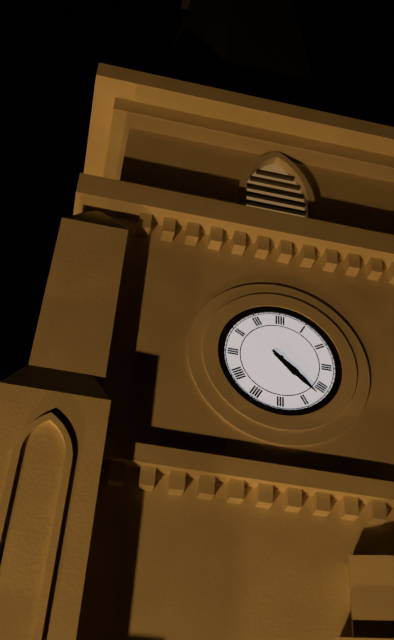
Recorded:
4 h 22 min
